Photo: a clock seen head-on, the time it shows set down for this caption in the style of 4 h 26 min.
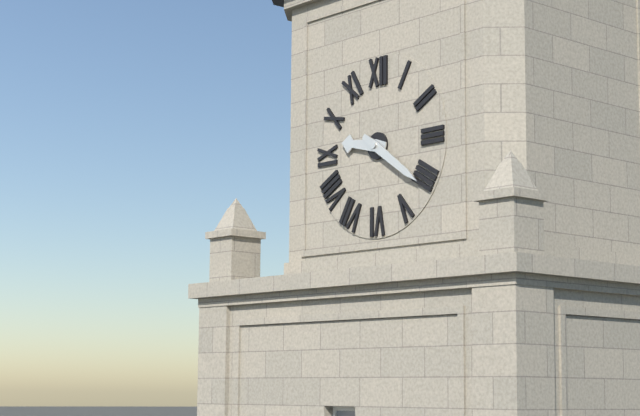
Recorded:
9 h 21 min
